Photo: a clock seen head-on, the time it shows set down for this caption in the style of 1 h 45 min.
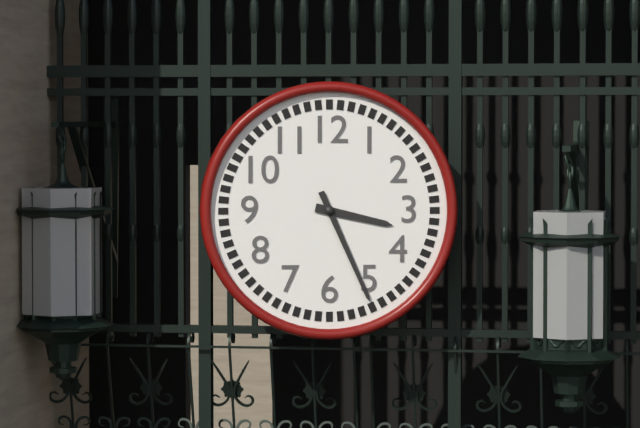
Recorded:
3 h 26 min
